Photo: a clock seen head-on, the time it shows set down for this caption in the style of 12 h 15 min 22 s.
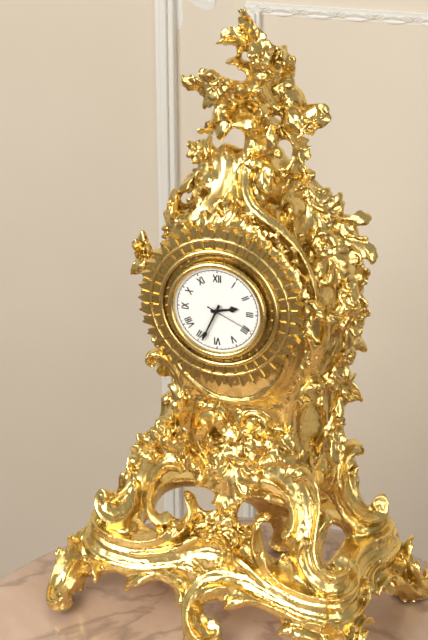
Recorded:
2 h 34 min 19 s
